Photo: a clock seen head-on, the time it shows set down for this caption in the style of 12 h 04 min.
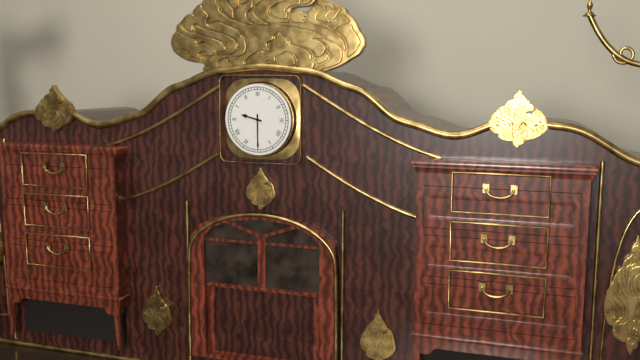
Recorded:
9 h 30 min
